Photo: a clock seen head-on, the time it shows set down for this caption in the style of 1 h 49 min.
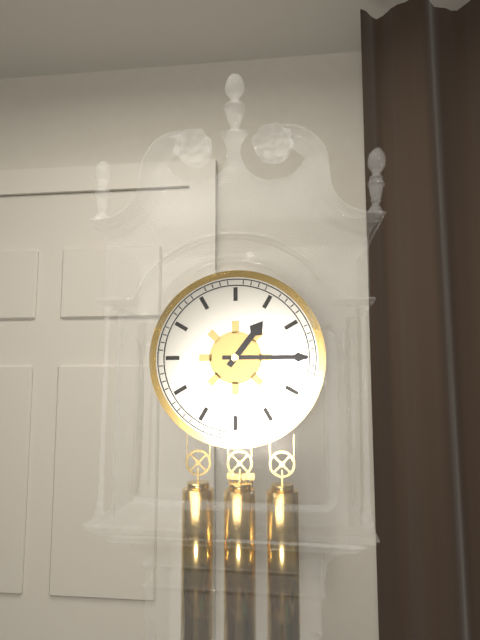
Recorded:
1 h 15 min
